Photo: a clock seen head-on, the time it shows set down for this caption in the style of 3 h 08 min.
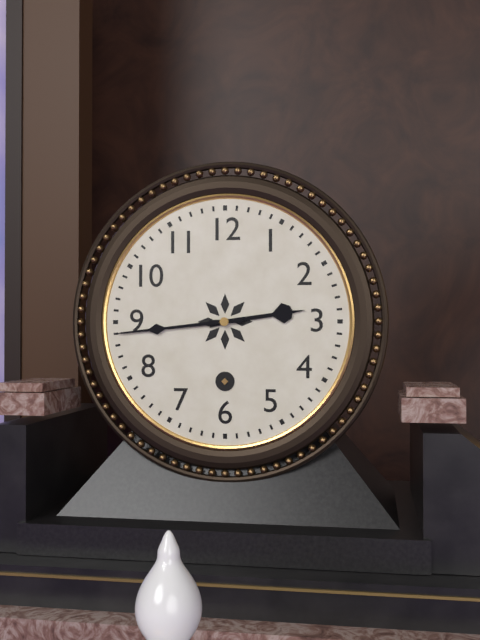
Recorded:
2 h 44 min
